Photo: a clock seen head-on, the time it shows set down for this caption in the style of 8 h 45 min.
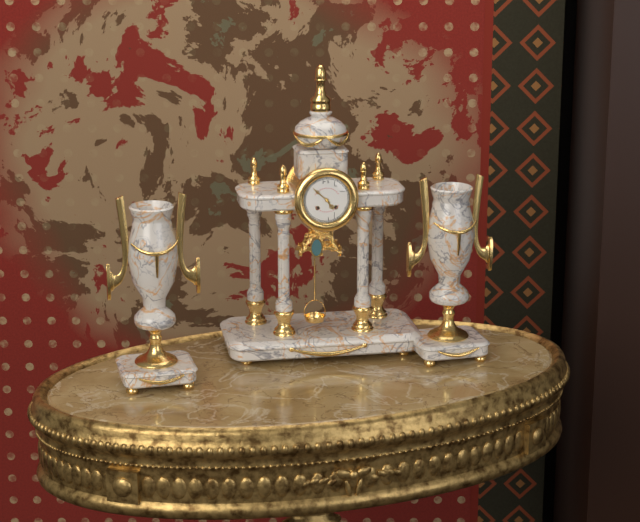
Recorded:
4 h 52 min
